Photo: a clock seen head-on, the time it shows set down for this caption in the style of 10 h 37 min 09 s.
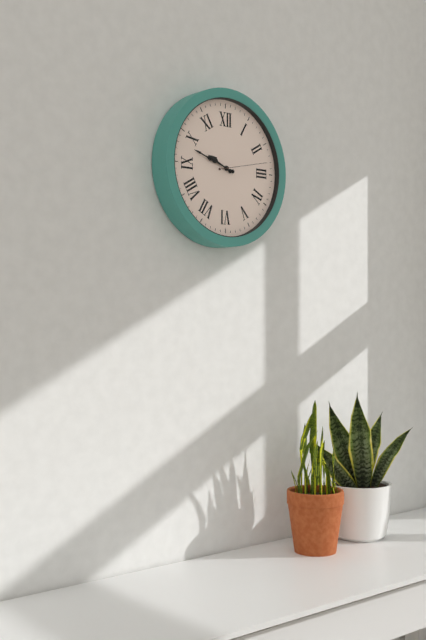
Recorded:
9 h 48 min 13 s
